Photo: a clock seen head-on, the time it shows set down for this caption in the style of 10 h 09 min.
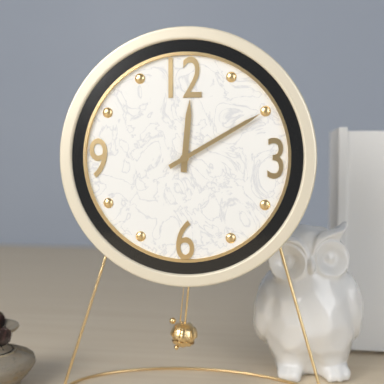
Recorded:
12 h 10 min
